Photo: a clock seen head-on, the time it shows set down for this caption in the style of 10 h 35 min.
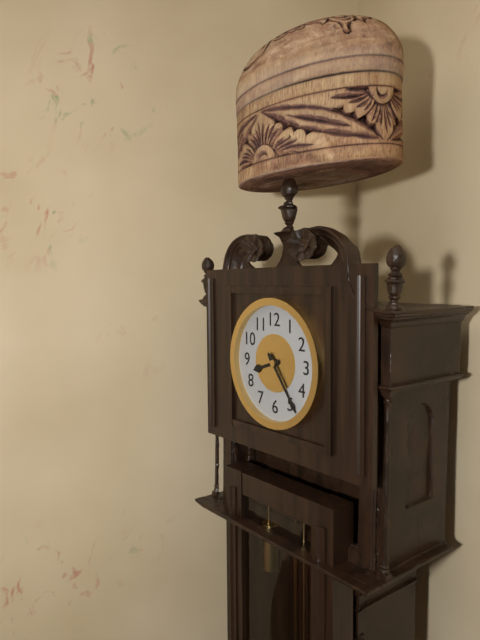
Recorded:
8 h 24 min
